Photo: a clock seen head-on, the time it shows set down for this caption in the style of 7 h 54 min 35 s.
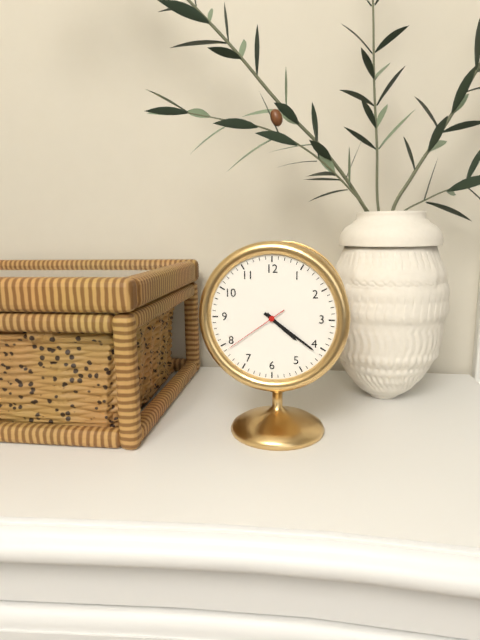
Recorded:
4 h 21 min 39 s
